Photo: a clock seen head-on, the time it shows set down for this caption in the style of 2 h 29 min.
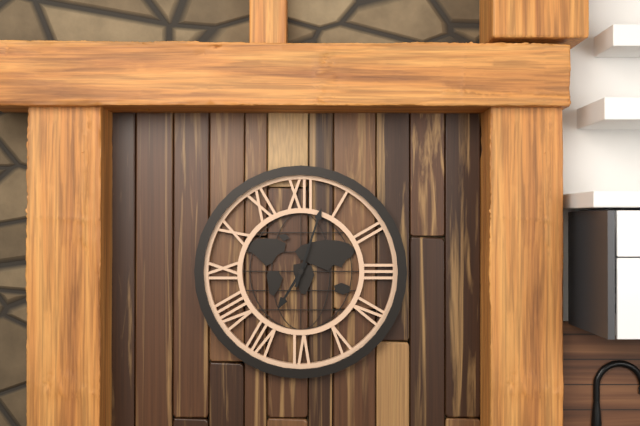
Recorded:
7 h 03 min
